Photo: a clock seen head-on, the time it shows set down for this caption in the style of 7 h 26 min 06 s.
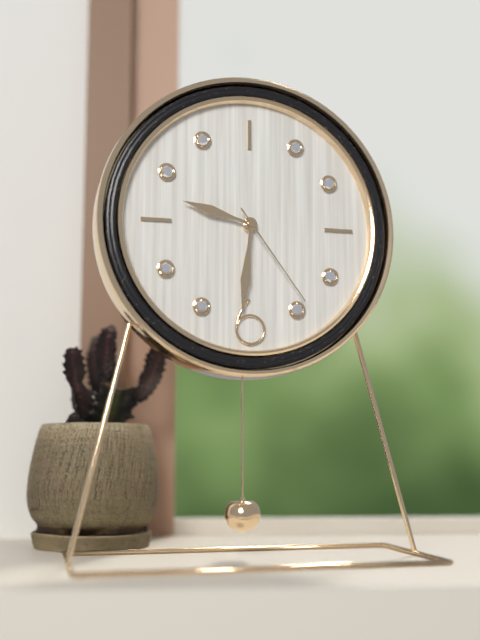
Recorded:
9 h 31 min 24 s
